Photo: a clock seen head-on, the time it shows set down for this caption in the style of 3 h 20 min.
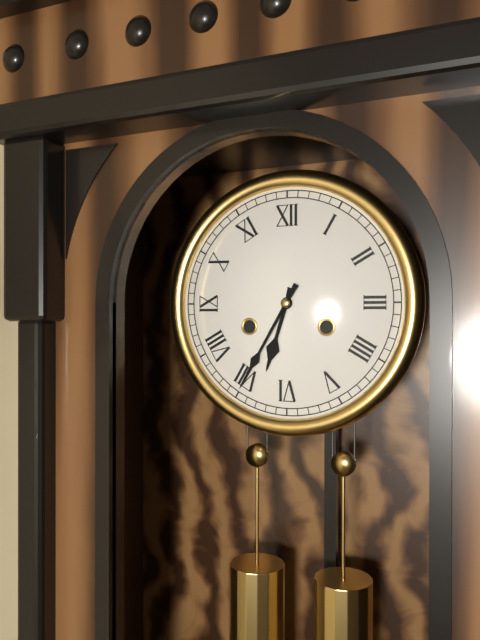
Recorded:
6 h 35 min
